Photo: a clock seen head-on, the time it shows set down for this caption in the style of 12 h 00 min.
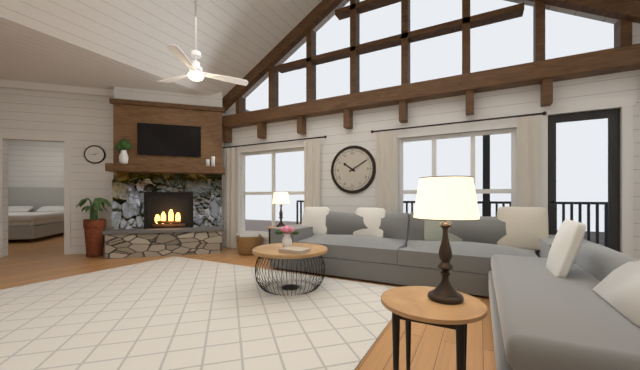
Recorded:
10 h 10 min
